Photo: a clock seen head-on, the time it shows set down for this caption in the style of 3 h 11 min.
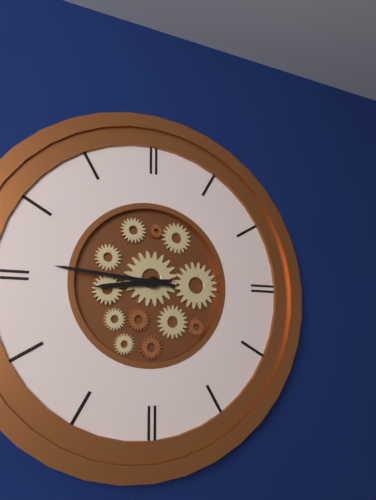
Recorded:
8 h 46 min
